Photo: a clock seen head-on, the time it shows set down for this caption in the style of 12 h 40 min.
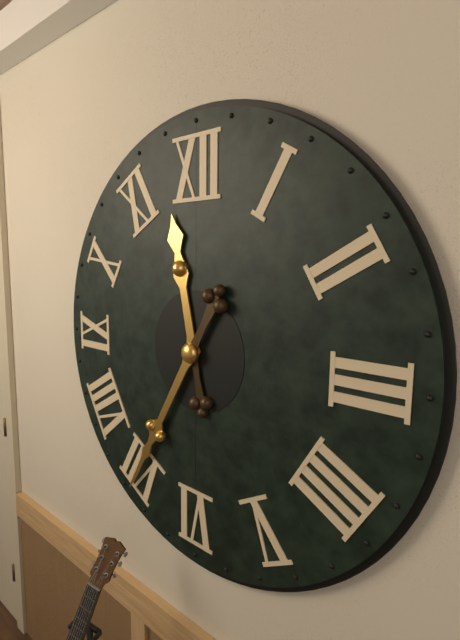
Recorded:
11 h 35 min
